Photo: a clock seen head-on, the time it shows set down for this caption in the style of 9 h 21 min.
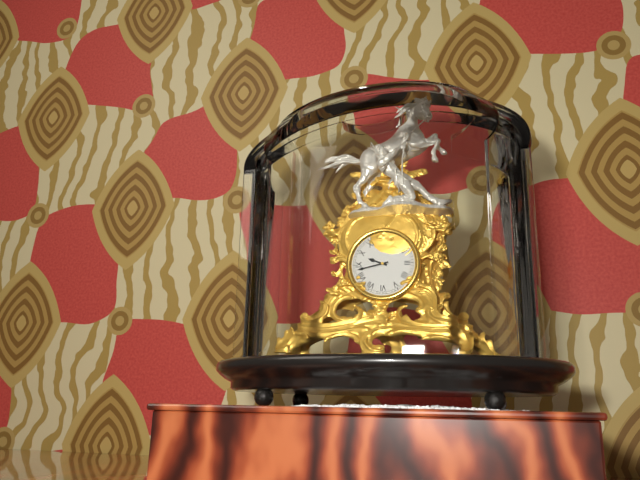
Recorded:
9 h 43 min
